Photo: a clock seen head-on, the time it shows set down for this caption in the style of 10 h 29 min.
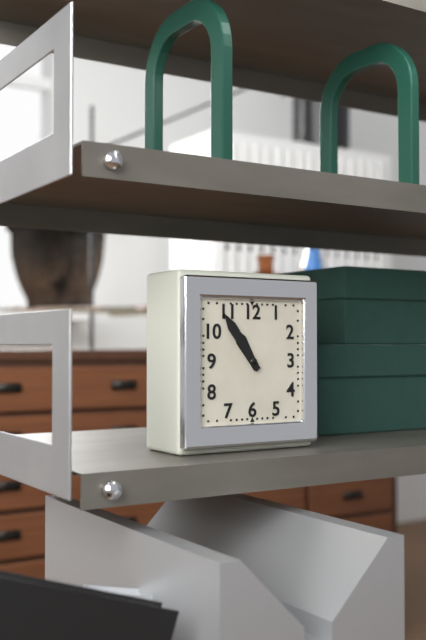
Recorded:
10 h 54 min
